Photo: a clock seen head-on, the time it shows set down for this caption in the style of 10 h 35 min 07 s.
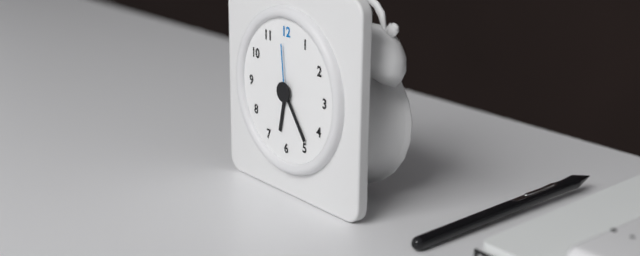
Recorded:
6 h 24 min 59 s
